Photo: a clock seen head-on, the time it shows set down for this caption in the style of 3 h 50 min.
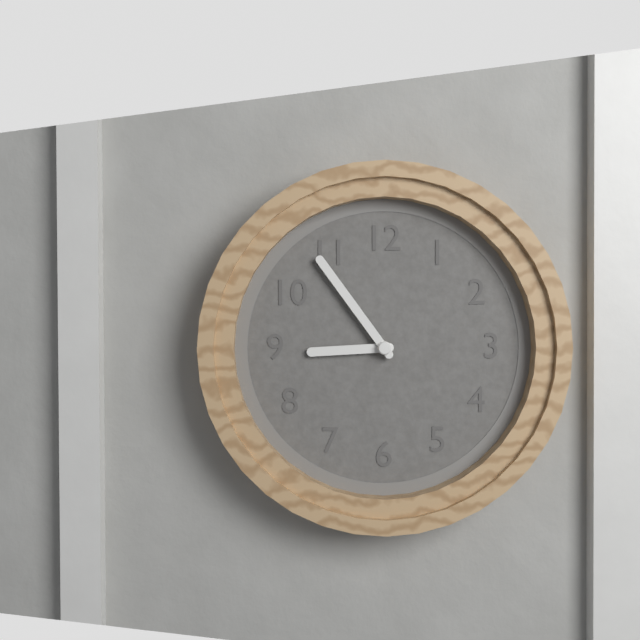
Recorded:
8 h 54 min
